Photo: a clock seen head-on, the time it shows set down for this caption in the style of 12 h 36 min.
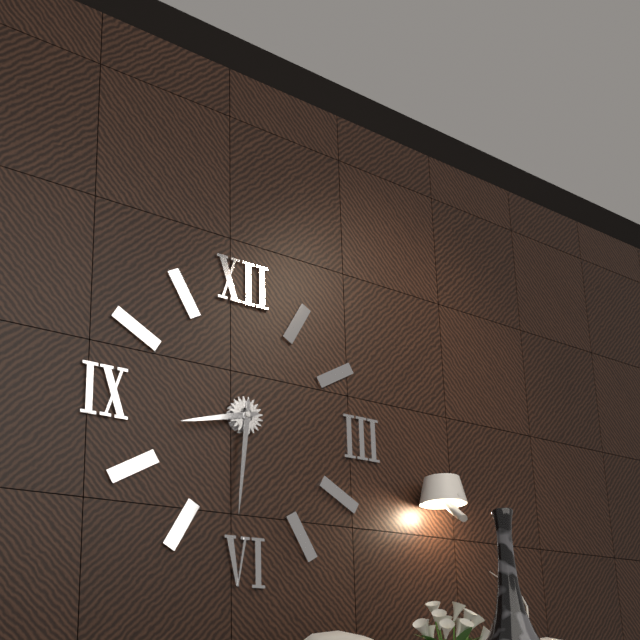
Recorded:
8 h 31 min
